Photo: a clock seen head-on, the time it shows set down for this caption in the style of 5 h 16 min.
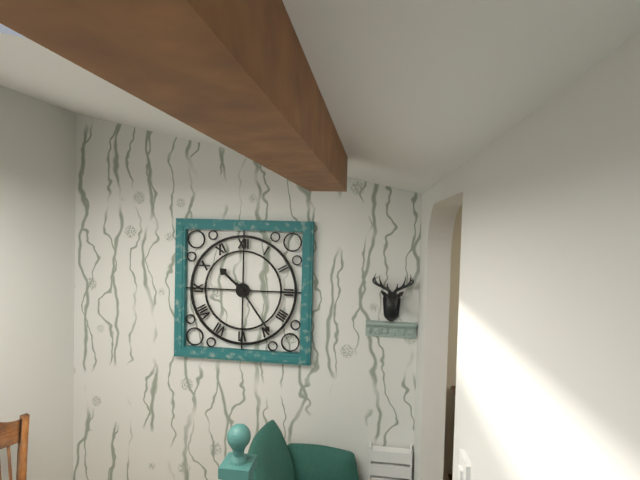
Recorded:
10 h 24 min
